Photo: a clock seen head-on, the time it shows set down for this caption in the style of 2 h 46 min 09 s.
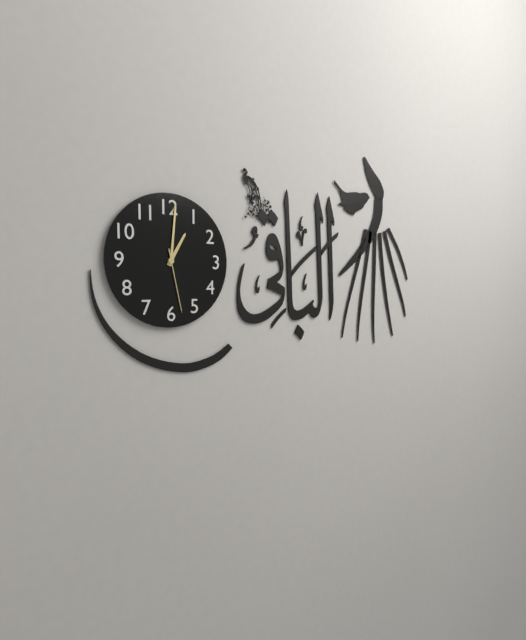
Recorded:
1 h 01 min 28 s
